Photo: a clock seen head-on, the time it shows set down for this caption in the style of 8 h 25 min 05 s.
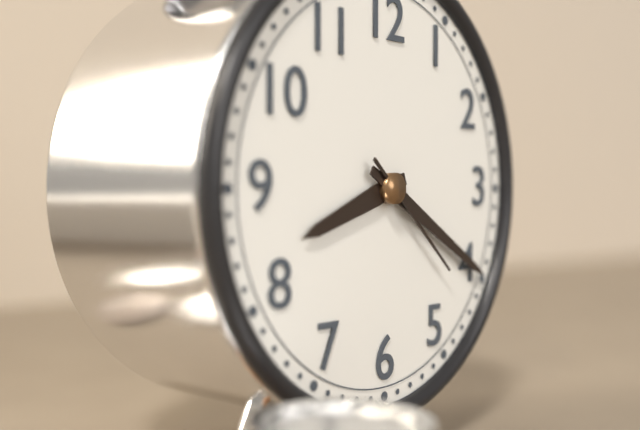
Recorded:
8 h 20 min 22 s
